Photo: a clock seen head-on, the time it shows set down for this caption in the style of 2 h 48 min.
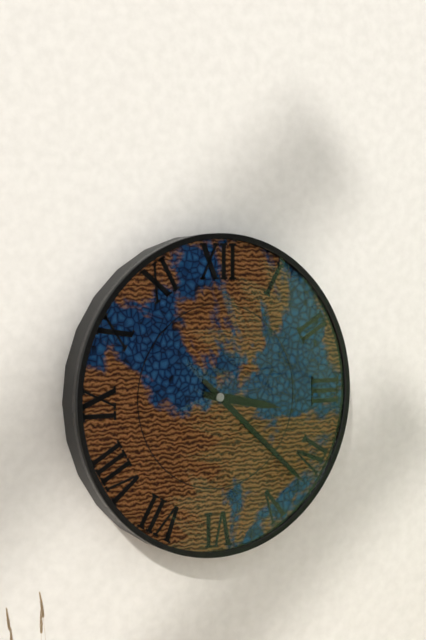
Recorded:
3 h 22 min
